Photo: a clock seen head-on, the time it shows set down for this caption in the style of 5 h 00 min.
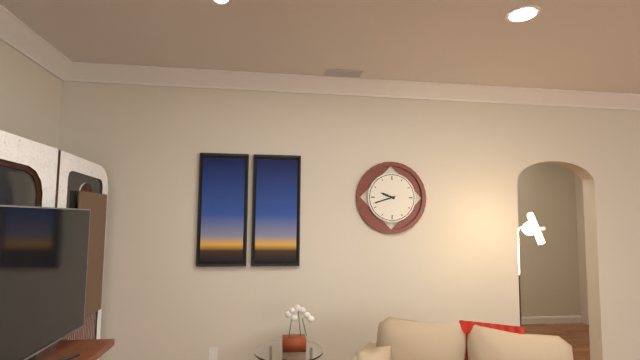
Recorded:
9 h 42 min
